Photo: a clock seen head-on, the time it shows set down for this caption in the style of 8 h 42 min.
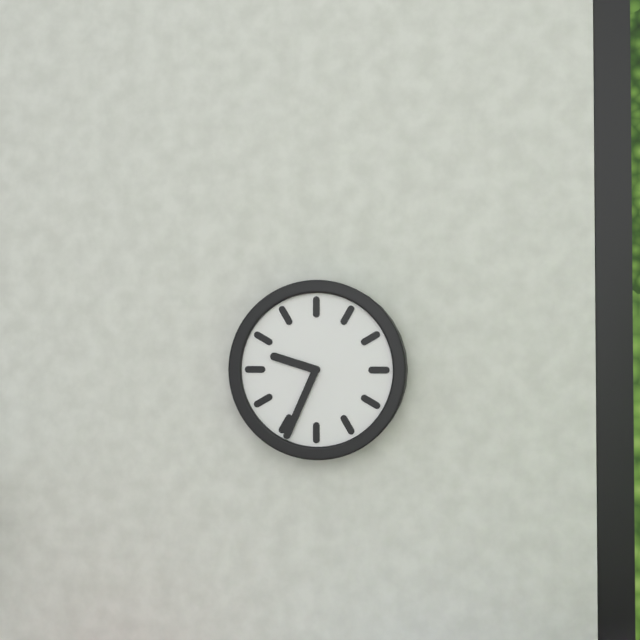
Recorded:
9 h 34 min
